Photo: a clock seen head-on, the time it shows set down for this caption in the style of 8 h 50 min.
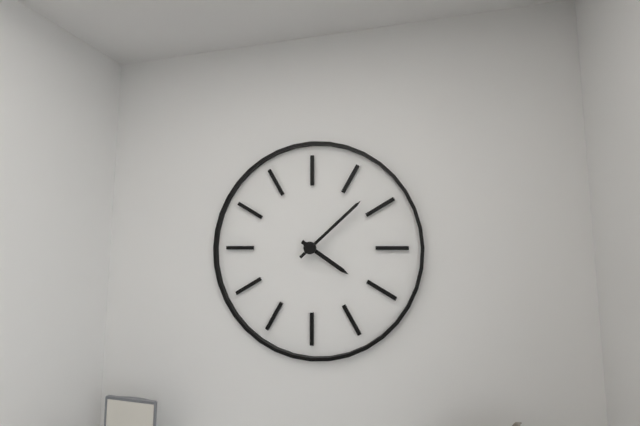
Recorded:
4 h 08 min
